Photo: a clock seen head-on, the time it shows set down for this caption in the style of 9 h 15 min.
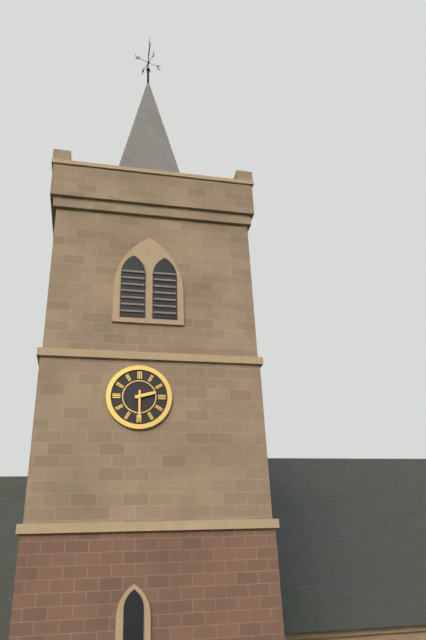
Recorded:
2 h 30 min
